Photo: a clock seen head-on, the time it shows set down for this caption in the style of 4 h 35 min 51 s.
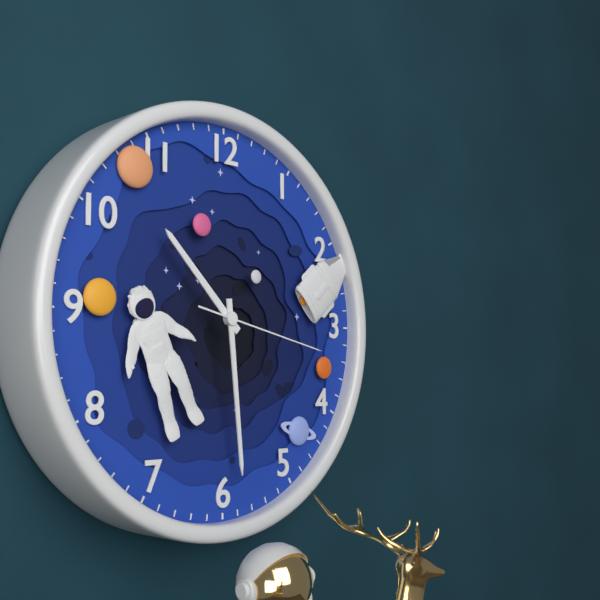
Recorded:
10 h 29 min 17 s
